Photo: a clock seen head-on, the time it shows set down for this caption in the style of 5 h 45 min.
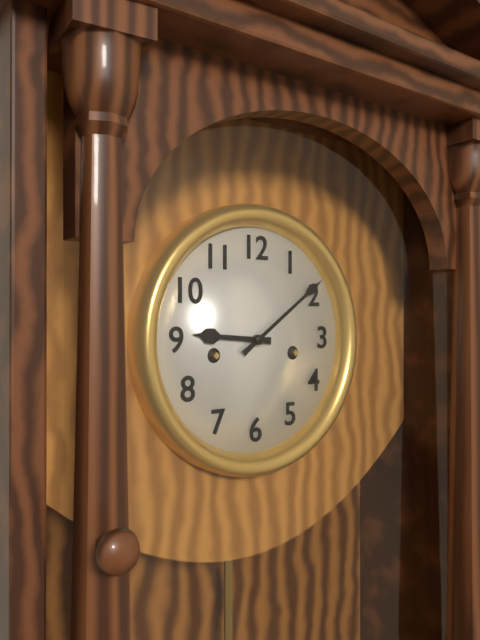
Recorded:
9 h 09 min
